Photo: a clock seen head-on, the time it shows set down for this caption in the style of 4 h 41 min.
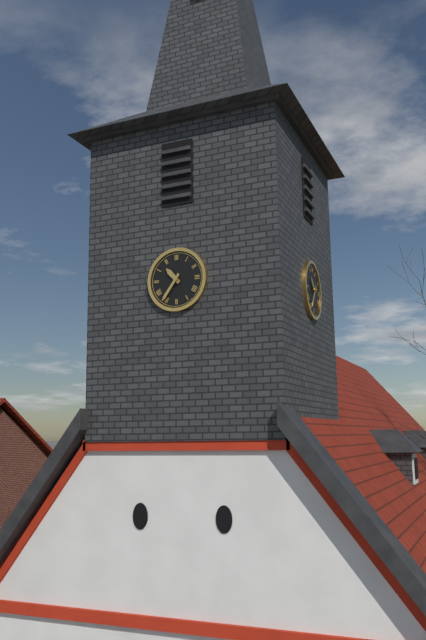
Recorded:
10 h 36 min
